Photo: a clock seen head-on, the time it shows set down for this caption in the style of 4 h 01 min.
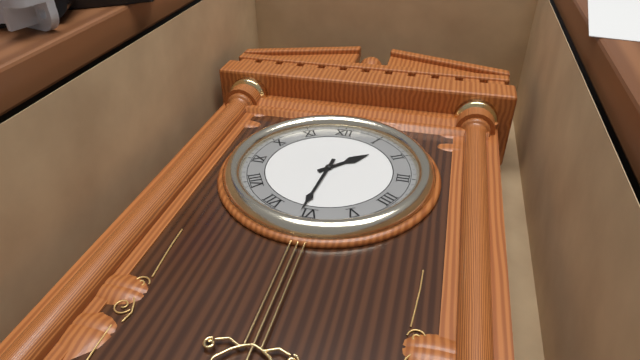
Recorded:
1 h 31 min
